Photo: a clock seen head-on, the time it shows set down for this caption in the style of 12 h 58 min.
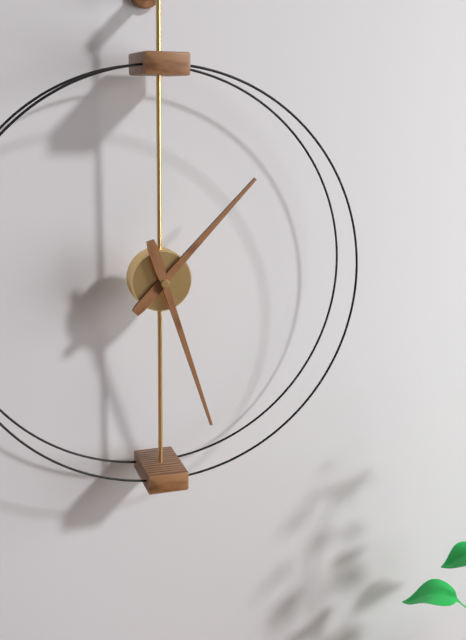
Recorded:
1 h 27 min
